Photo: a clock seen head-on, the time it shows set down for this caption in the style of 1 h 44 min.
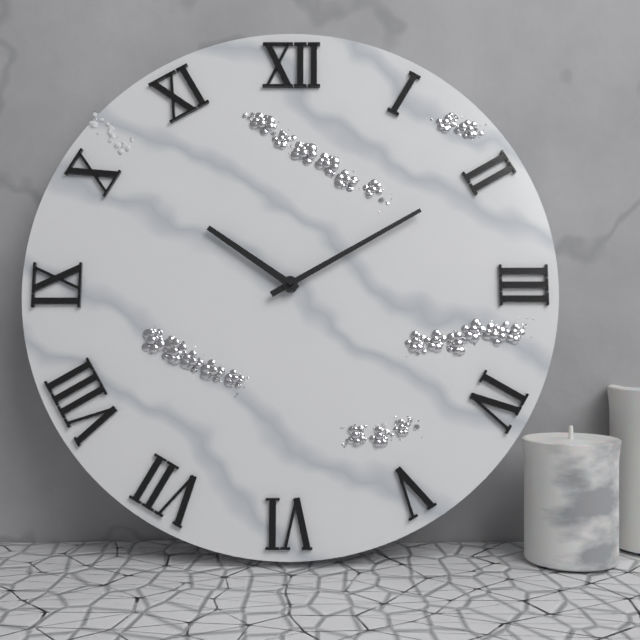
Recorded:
10 h 10 min
